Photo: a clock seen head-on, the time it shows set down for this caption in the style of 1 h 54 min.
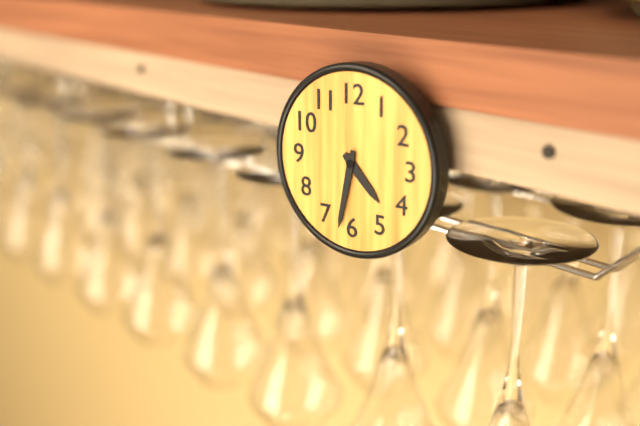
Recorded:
4 h 32 min
